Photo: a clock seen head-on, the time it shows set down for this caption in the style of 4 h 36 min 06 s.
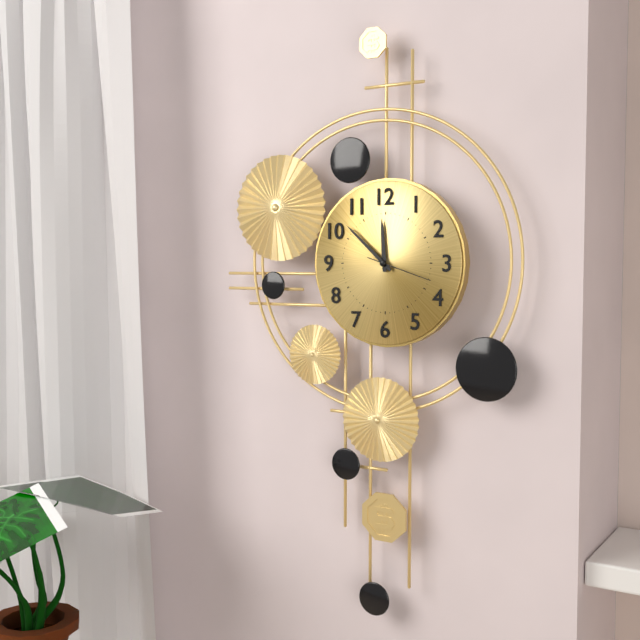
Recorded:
11 h 52 min 18 s
